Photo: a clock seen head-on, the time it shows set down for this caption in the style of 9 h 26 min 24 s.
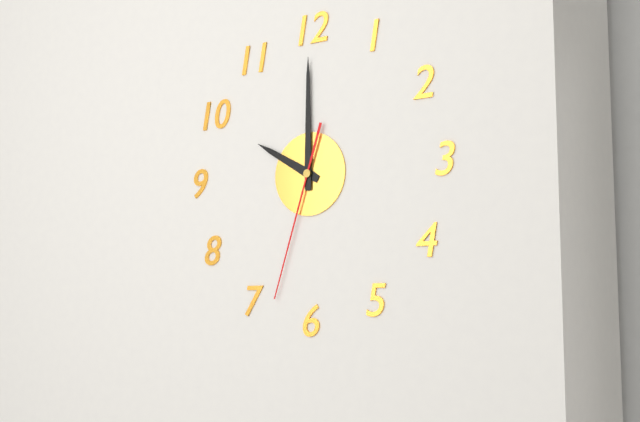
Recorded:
10 h 00 min 33 s
